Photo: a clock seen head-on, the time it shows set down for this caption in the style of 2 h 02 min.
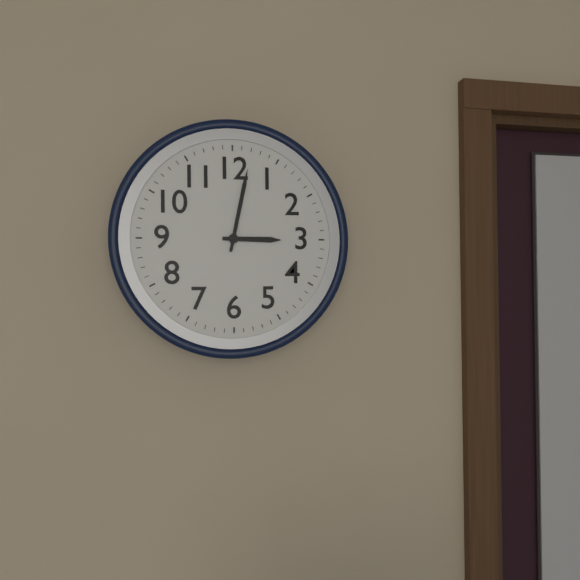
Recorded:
3 h 02 min
